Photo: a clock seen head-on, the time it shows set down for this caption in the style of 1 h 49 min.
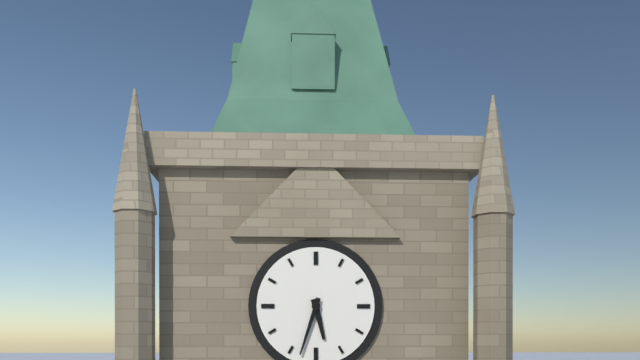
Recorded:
5 h 33 min
